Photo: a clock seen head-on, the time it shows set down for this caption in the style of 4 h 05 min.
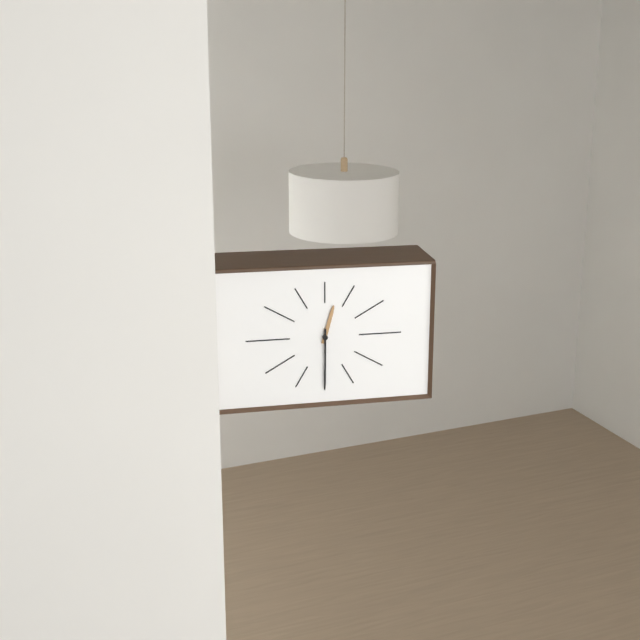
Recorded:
12 h 30 min
